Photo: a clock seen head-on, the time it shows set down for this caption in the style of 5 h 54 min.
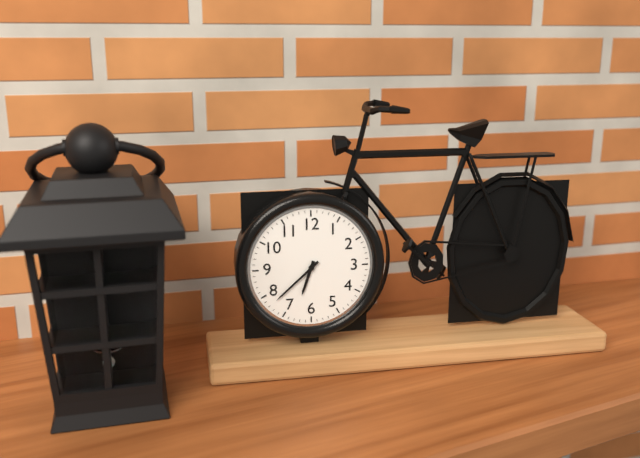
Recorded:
6 h 38 min
